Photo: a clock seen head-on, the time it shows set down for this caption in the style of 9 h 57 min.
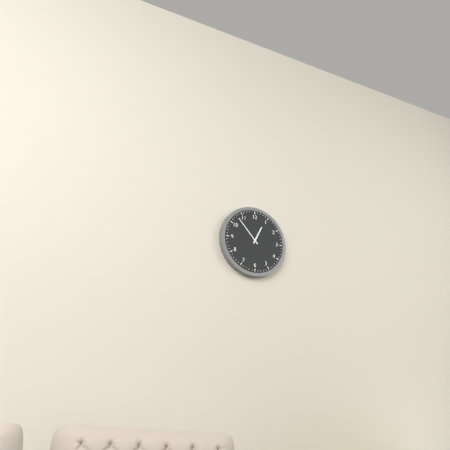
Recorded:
12 h 53 min
